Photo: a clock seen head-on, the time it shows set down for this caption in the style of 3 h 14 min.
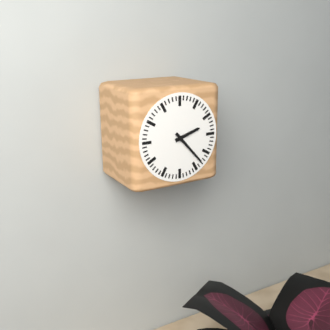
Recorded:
2 h 23 min
